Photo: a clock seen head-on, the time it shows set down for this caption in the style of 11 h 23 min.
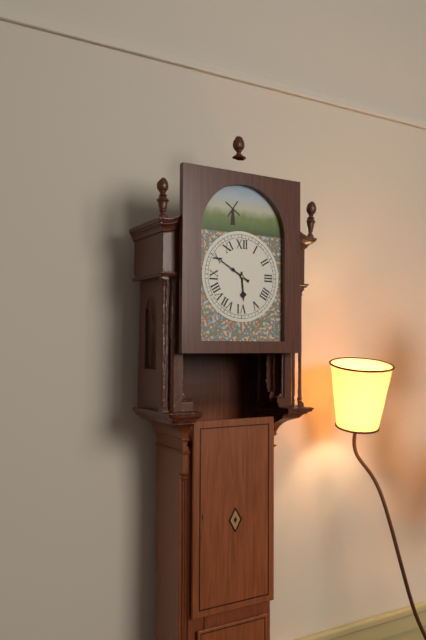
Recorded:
5 h 50 min
